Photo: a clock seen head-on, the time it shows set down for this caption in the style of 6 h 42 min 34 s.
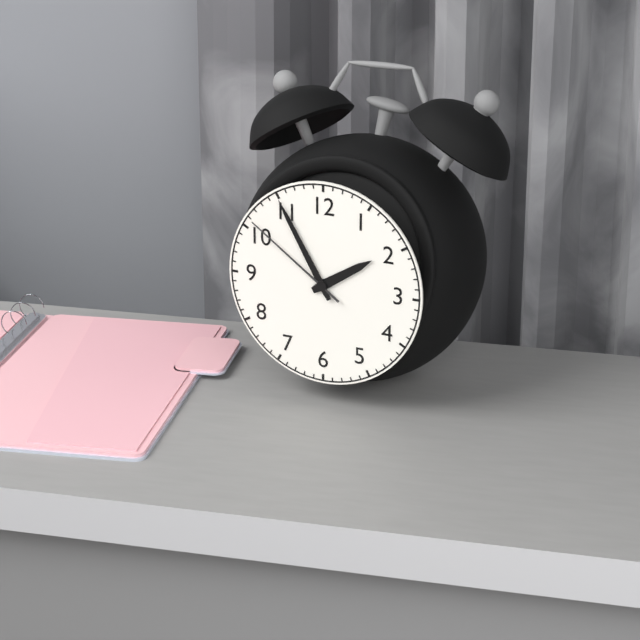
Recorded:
1 h 55 min 51 s
